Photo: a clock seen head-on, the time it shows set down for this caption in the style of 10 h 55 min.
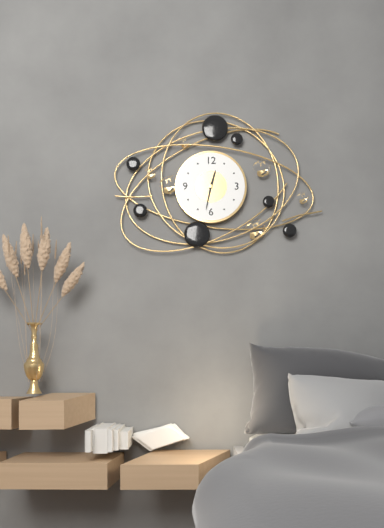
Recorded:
12 h 32 min
